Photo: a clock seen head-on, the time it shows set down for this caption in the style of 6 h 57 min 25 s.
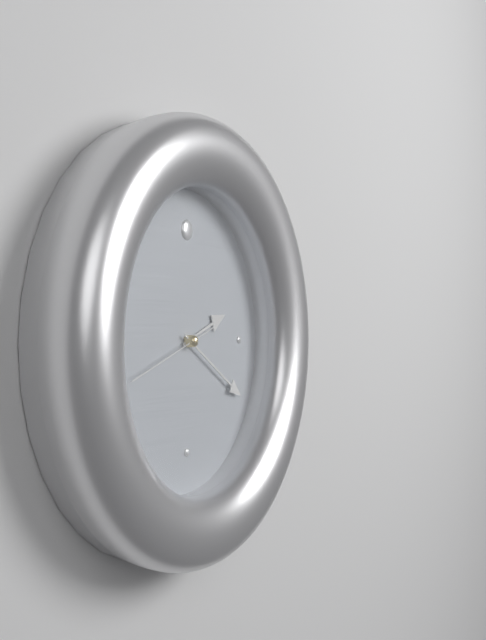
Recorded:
2 h 20 min 42 s
